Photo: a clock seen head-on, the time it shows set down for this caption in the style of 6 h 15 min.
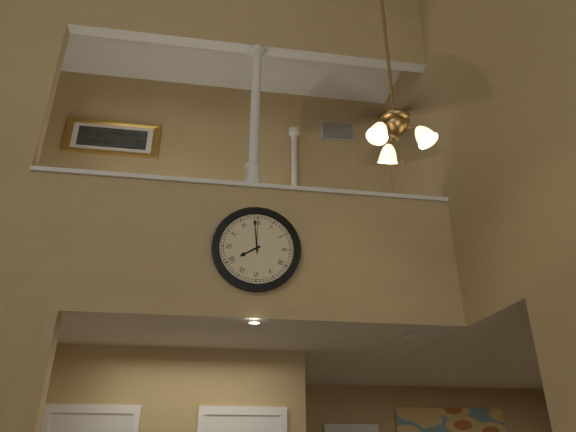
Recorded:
7 h 59 min
